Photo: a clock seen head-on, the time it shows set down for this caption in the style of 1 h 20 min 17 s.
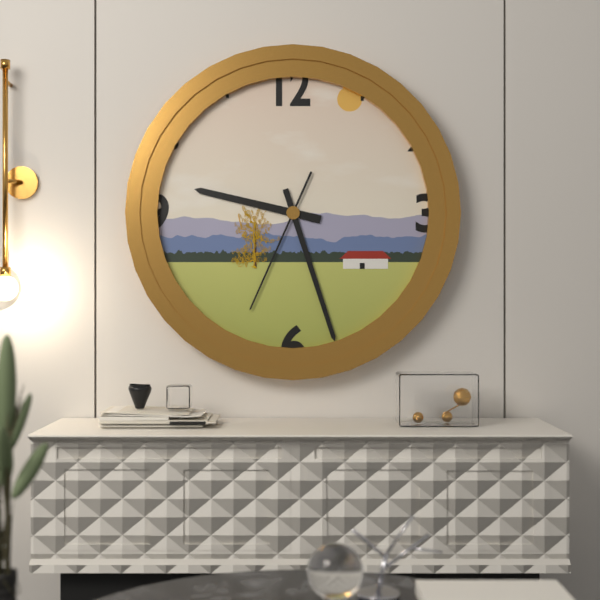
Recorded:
9 h 27 min 34 s
